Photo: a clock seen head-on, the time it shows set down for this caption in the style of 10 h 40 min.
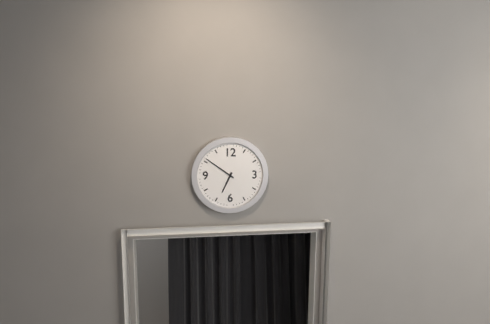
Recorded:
6 h 51 min
